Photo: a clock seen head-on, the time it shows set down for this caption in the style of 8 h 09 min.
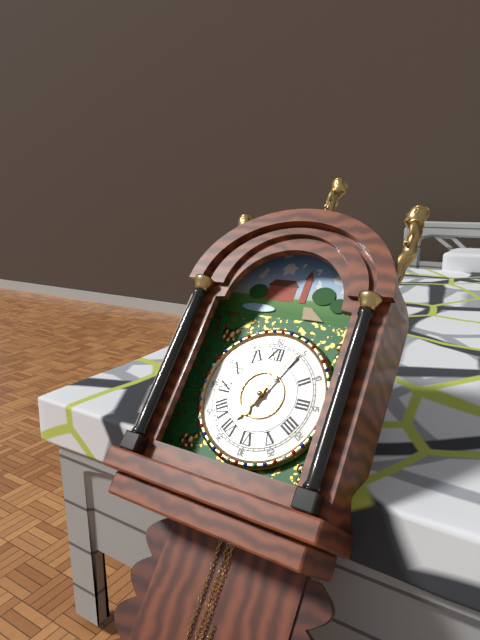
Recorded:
7 h 04 min
